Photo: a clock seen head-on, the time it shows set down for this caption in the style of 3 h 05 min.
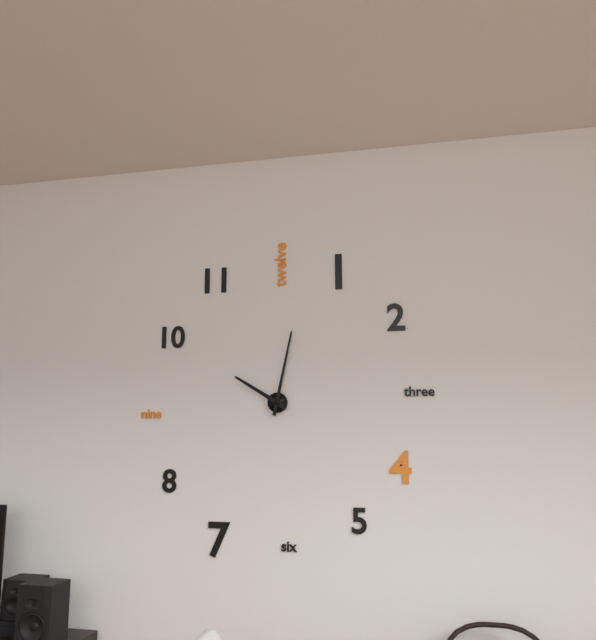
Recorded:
10 h 02 min
